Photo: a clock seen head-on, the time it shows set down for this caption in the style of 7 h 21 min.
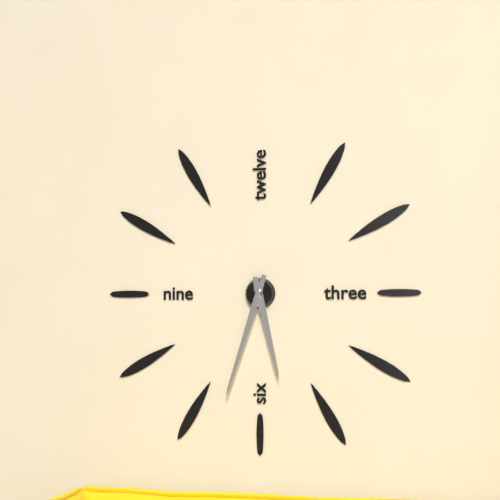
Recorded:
5 h 33 min
